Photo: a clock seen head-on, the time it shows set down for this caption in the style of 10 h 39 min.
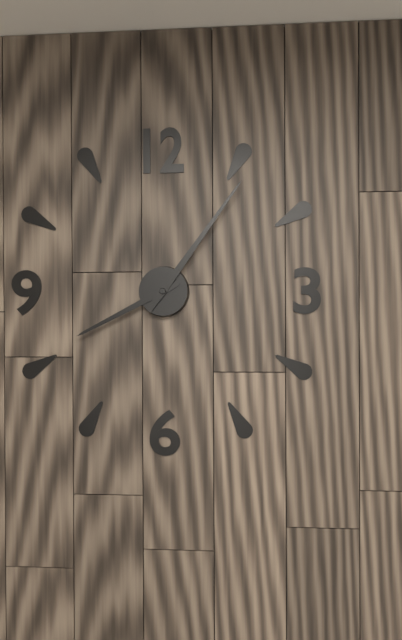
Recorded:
8 h 06 min
